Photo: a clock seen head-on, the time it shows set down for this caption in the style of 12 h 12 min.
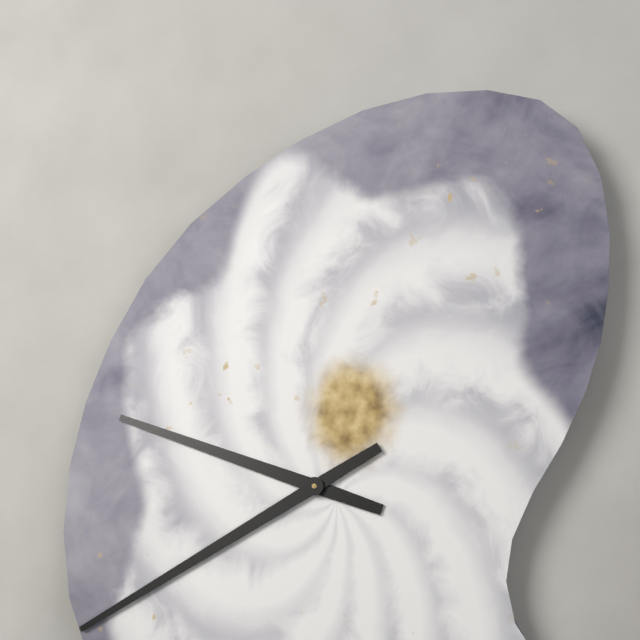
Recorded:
9 h 40 min
